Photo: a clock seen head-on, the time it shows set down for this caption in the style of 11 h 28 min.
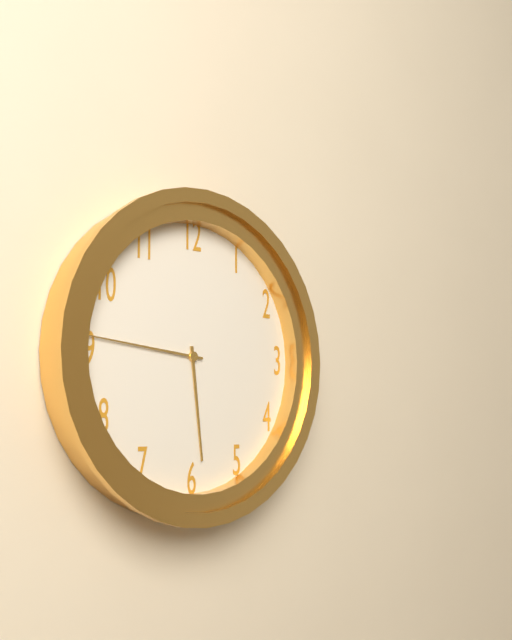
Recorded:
5 h 46 min
